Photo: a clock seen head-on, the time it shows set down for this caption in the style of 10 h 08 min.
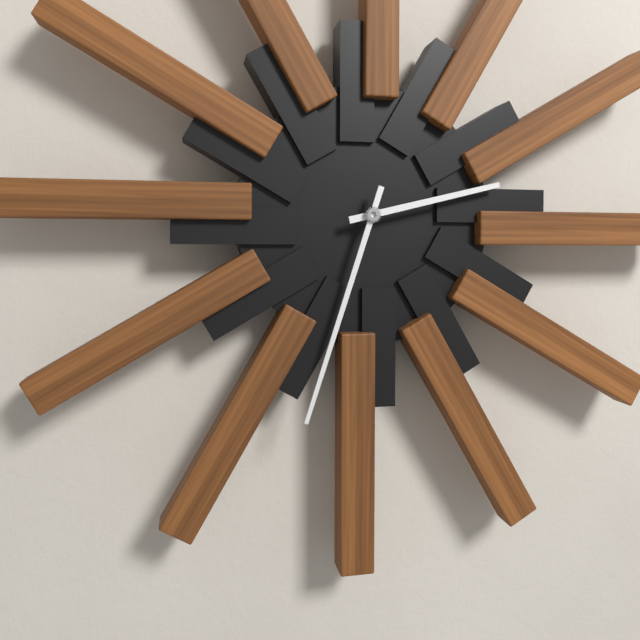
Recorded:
2 h 33 min
